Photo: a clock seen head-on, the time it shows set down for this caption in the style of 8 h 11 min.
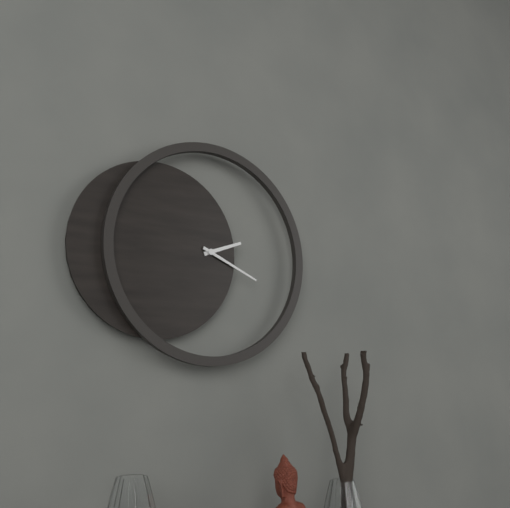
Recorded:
2 h 19 min
